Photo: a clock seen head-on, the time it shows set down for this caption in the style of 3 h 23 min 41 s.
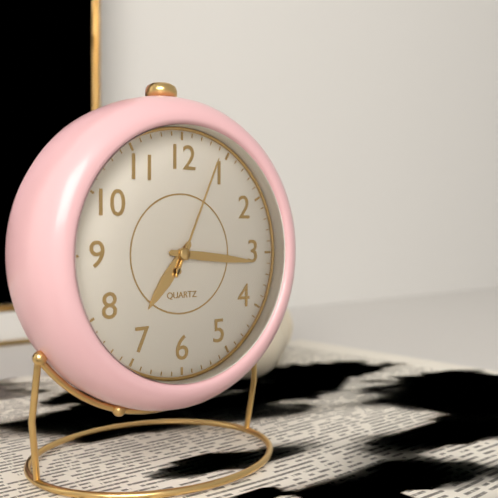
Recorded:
7 h 16 min 04 s
